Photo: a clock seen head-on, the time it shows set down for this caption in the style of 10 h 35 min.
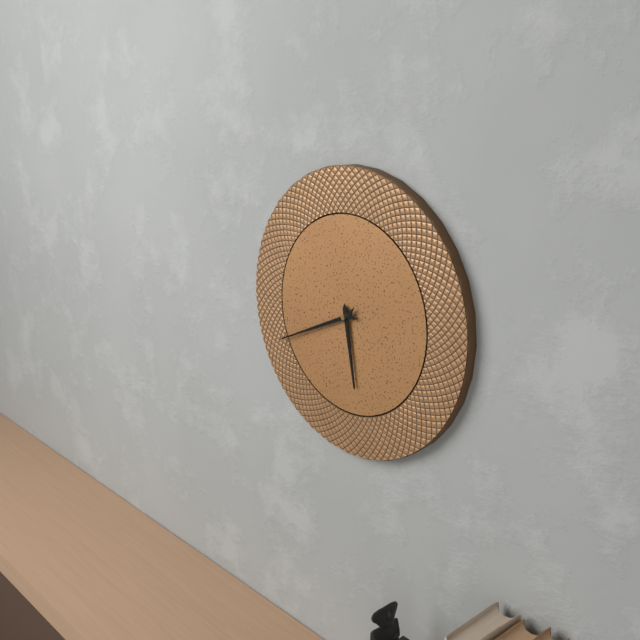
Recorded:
5 h 41 min
